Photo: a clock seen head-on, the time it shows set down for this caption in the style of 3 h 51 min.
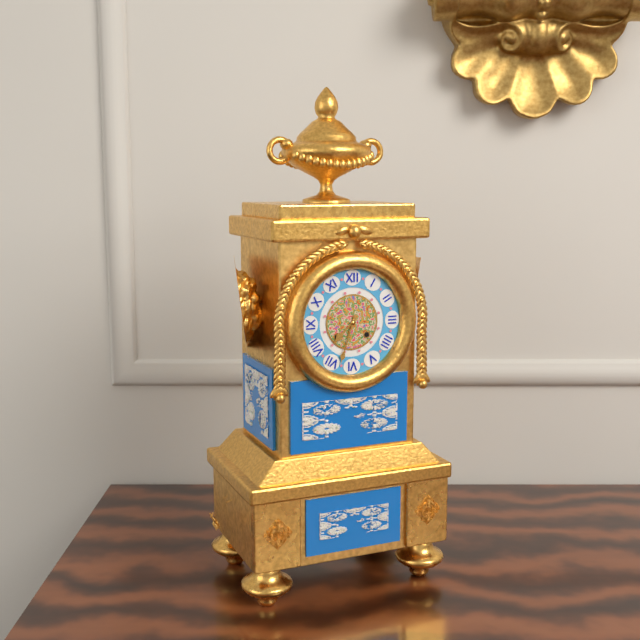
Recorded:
7 h 33 min
